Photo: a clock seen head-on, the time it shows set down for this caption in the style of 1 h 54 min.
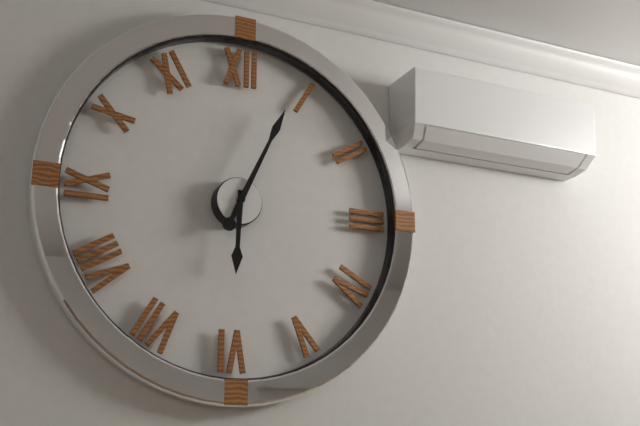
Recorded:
6 h 04 min
